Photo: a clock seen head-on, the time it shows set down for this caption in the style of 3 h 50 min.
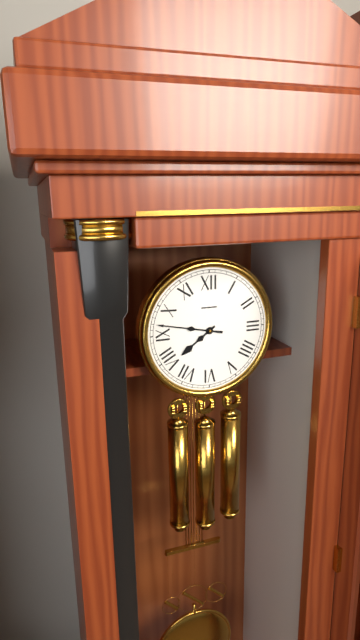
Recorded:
7 h 47 min
